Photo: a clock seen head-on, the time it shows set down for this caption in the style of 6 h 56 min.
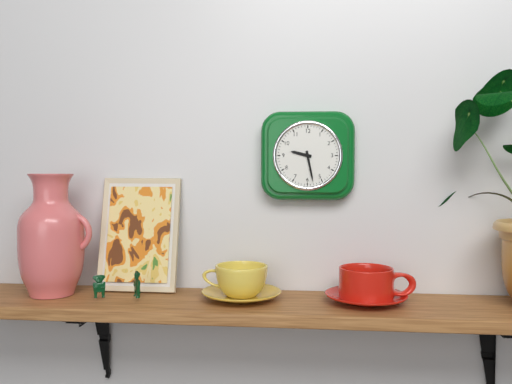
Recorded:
9 h 28 min
